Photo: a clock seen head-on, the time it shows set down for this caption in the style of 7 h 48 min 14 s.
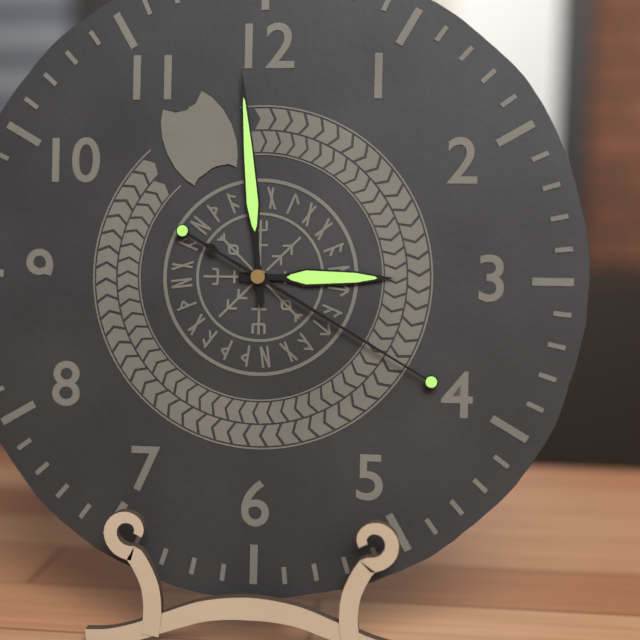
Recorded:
2 h 59 min 20 s
